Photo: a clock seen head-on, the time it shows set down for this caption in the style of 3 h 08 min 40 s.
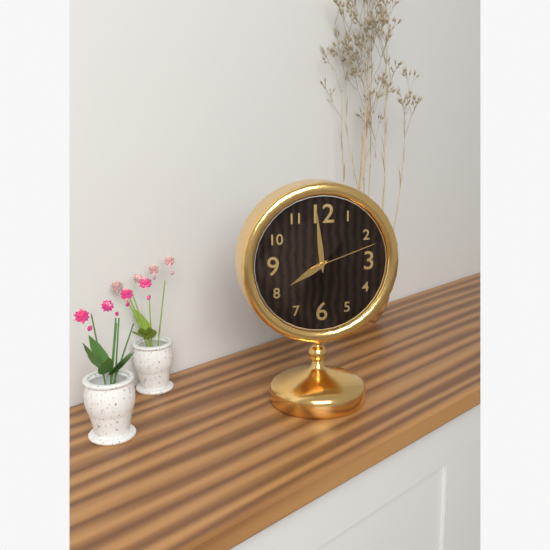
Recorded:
7 h 59 min 12 s
